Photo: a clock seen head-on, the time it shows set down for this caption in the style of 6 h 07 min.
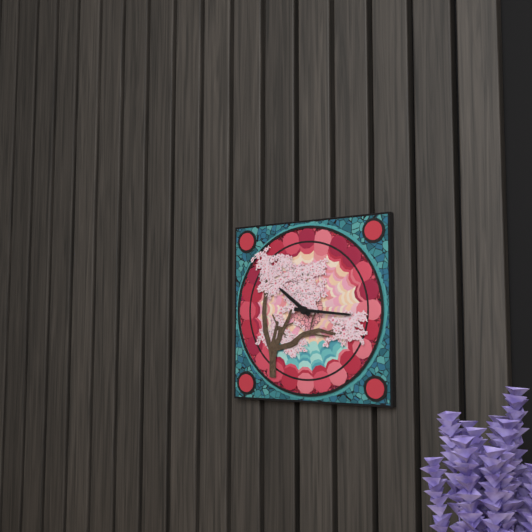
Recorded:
10 h 16 min
